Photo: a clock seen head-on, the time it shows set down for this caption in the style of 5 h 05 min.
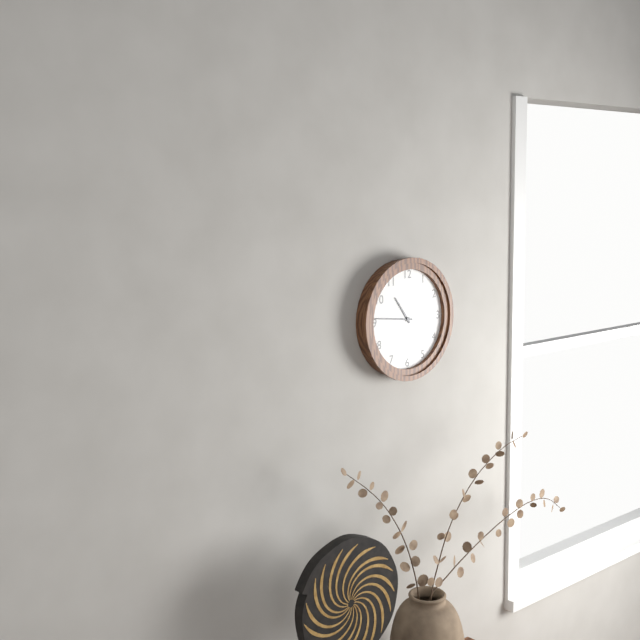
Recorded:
10 h 46 min
